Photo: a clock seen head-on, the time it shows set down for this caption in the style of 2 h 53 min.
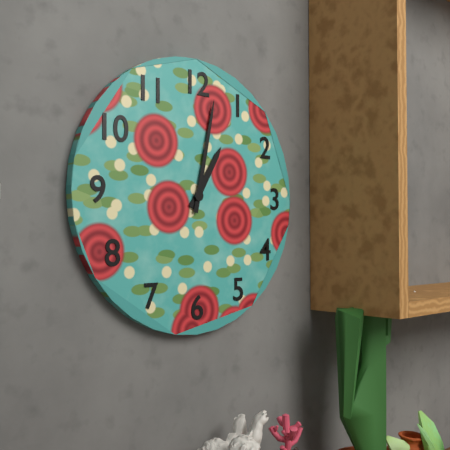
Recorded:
1 h 02 min
